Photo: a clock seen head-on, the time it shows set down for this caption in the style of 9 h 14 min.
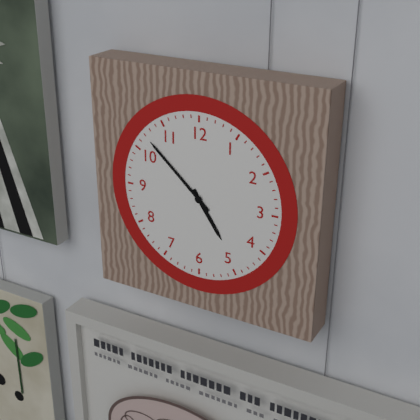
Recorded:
4 h 52 min
